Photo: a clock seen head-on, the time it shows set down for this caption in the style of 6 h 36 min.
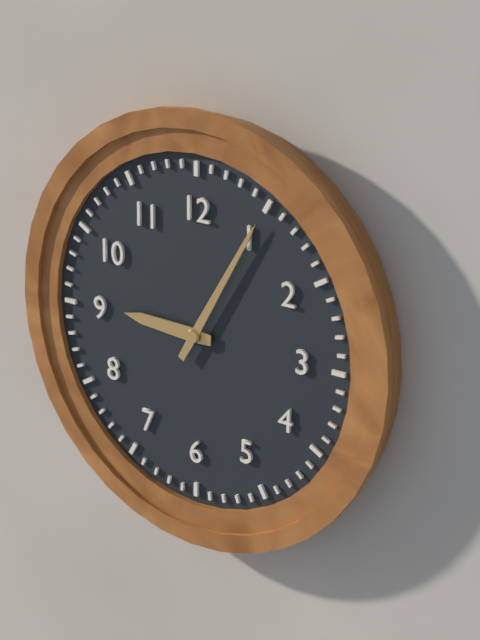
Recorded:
9 h 05 min
